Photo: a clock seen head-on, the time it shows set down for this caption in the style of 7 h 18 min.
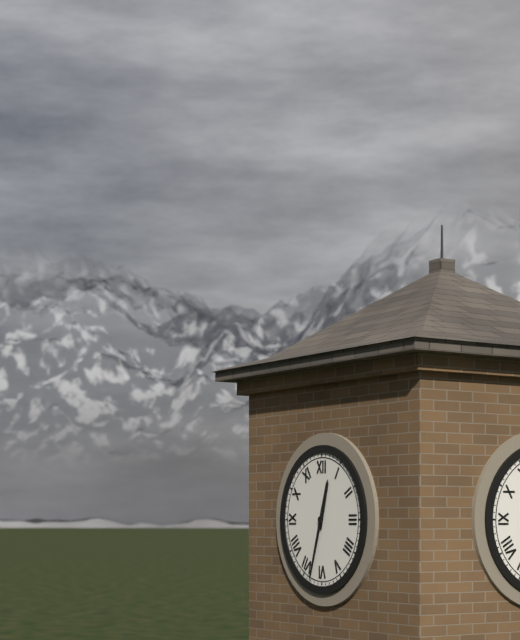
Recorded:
12 h 33 min
